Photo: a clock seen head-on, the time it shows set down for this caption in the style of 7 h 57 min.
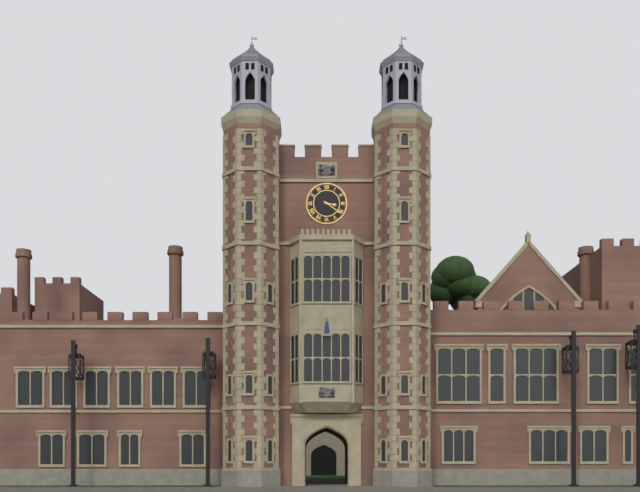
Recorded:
3 h 21 min
